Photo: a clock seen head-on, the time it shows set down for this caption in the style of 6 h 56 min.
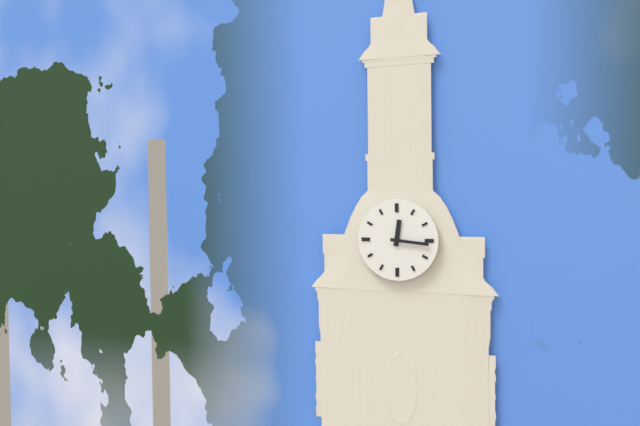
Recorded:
12 h 16 min
